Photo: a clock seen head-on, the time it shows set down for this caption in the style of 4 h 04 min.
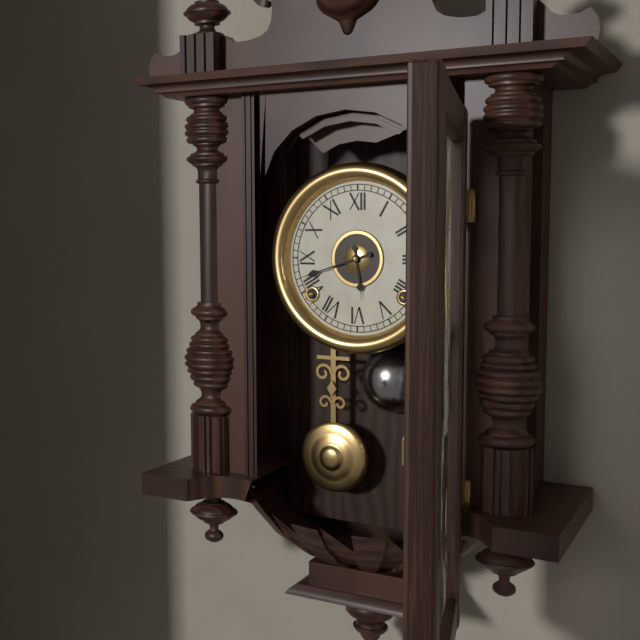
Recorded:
5 h 42 min
